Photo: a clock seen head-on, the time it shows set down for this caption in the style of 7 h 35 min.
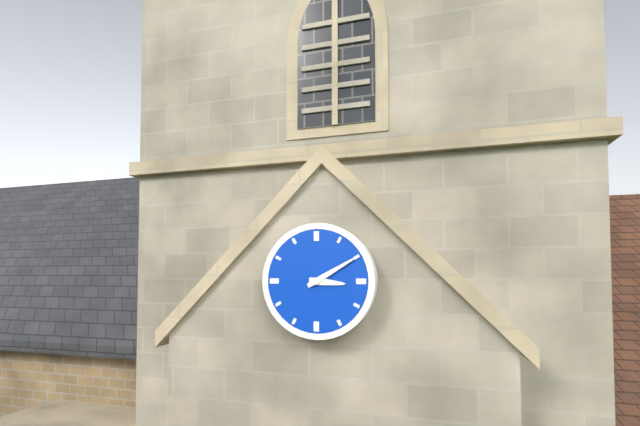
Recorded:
3 h 10 min
